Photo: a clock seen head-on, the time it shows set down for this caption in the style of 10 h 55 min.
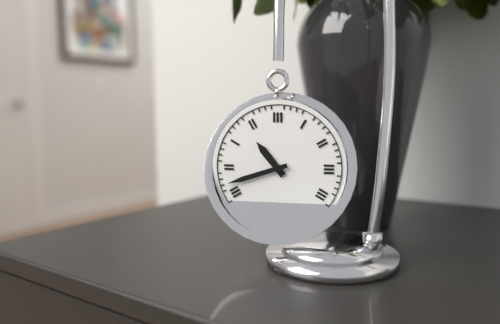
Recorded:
10 h 42 min
